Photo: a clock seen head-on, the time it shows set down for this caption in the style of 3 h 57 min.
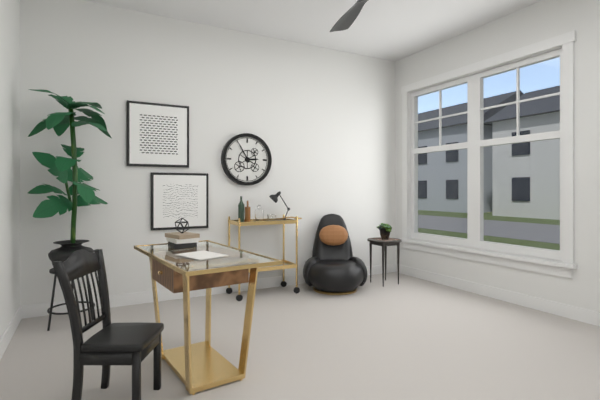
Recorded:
2 h 55 min
